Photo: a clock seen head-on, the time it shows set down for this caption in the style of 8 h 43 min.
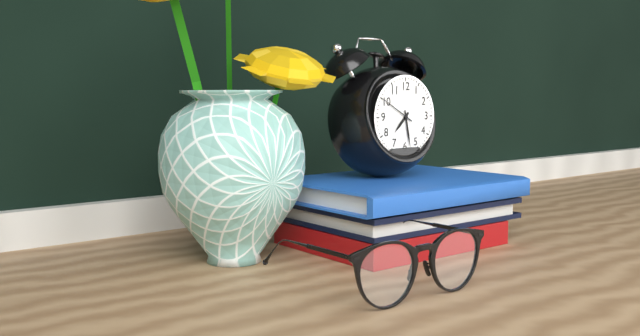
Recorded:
7 h 28 min
